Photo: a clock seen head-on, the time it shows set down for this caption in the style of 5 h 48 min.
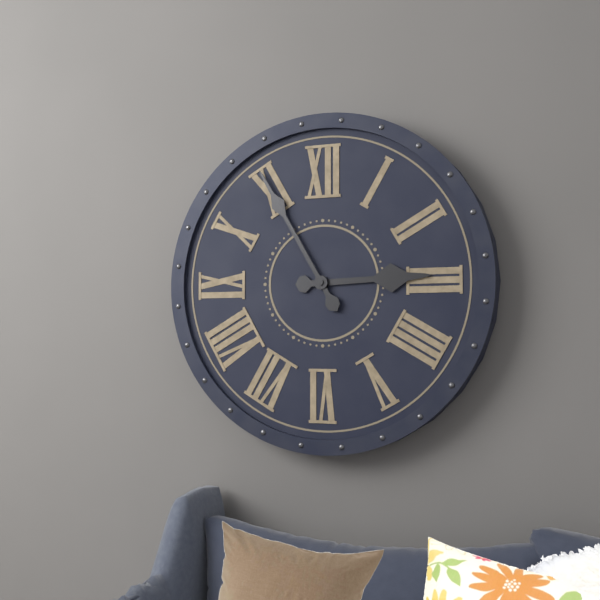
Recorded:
2 h 55 min
